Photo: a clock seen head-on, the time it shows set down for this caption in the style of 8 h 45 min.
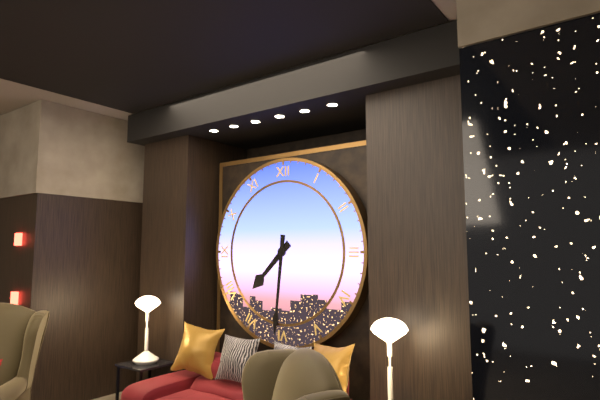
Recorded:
7 h 31 min
